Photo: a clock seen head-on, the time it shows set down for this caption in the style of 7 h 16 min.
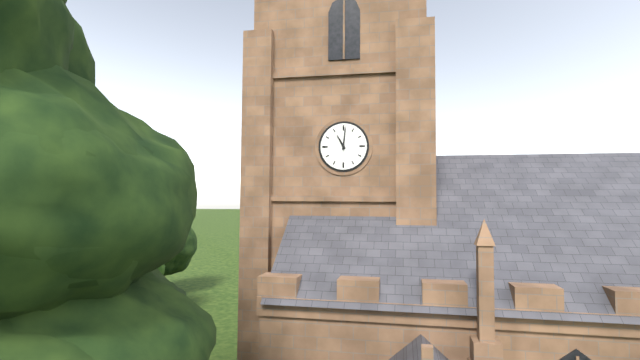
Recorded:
11 h 01 min
